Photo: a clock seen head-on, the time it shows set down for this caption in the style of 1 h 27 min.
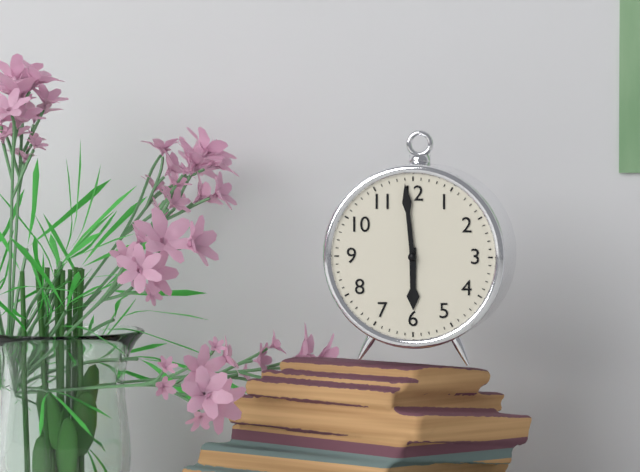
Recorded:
5 h 59 min
